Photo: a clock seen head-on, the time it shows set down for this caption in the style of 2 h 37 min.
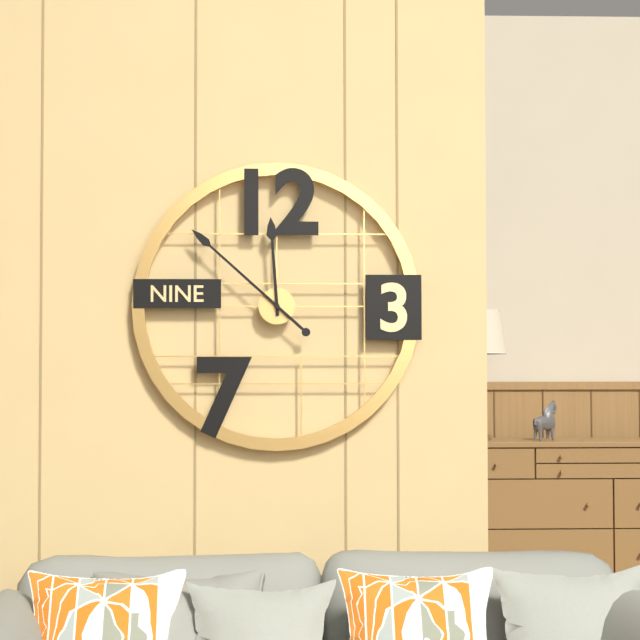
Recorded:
11 h 52 min
